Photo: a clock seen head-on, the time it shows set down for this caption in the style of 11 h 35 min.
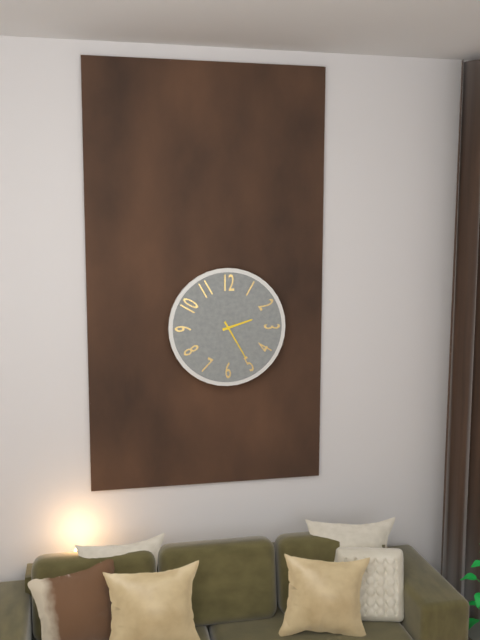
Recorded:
2 h 25 min
